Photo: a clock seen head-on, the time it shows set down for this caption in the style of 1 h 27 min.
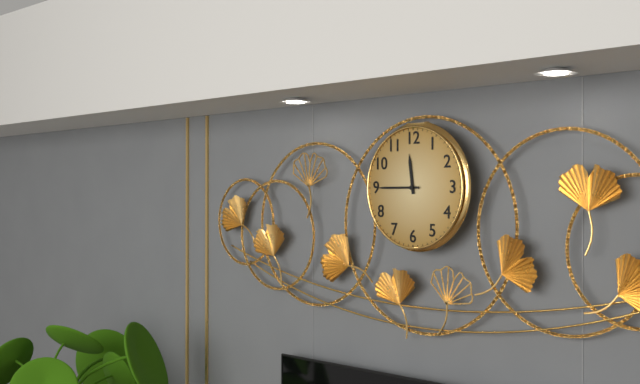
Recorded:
11 h 45 min
